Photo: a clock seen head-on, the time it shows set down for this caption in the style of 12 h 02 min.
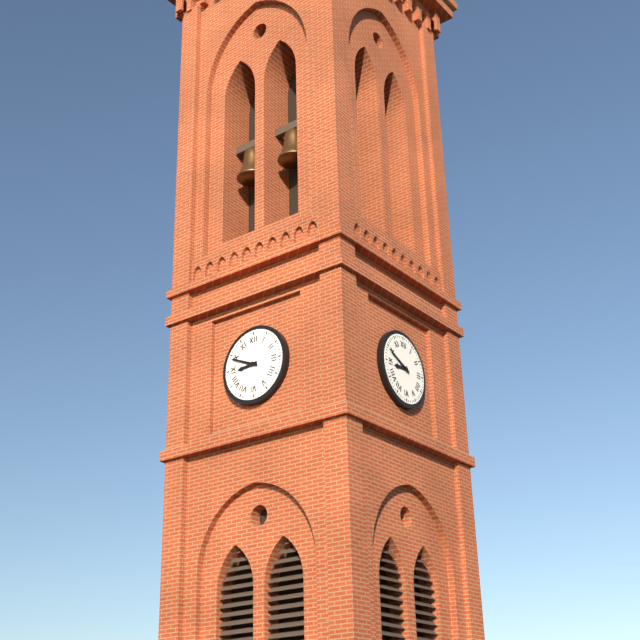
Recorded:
8 h 49 min
